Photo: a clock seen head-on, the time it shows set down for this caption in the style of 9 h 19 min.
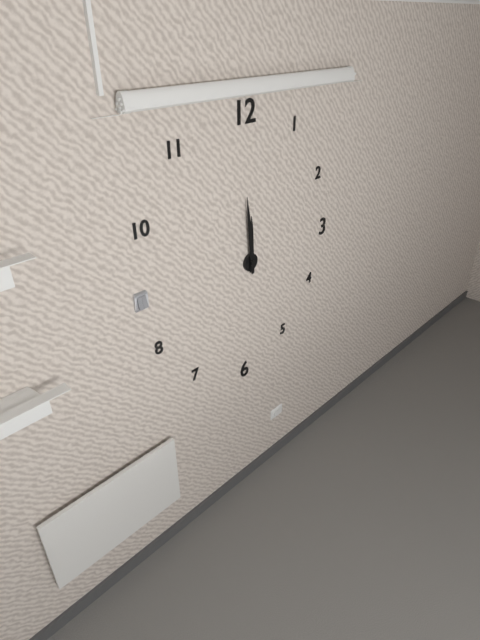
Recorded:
11 h 59 min
